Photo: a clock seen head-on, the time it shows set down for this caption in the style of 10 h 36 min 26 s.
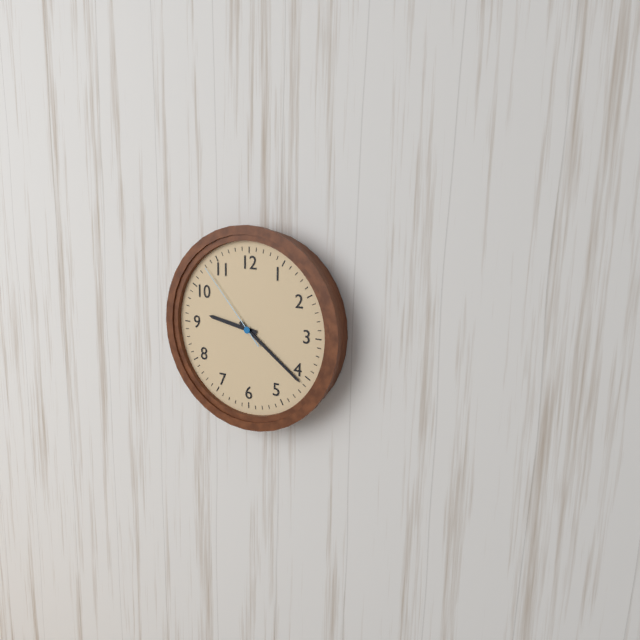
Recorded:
9 h 21 min 53 s
